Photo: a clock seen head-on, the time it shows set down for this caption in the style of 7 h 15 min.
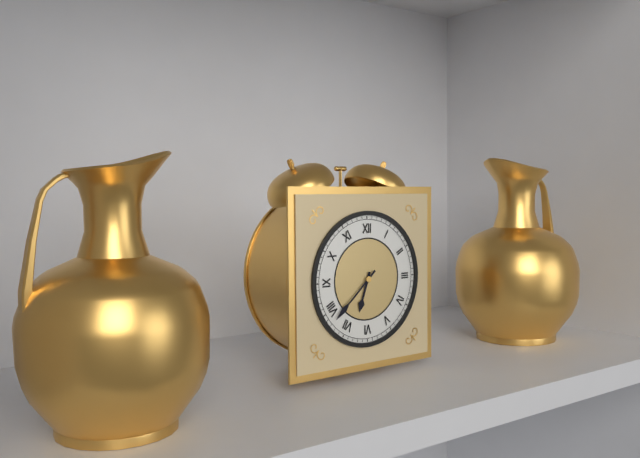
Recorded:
6 h 38 min
